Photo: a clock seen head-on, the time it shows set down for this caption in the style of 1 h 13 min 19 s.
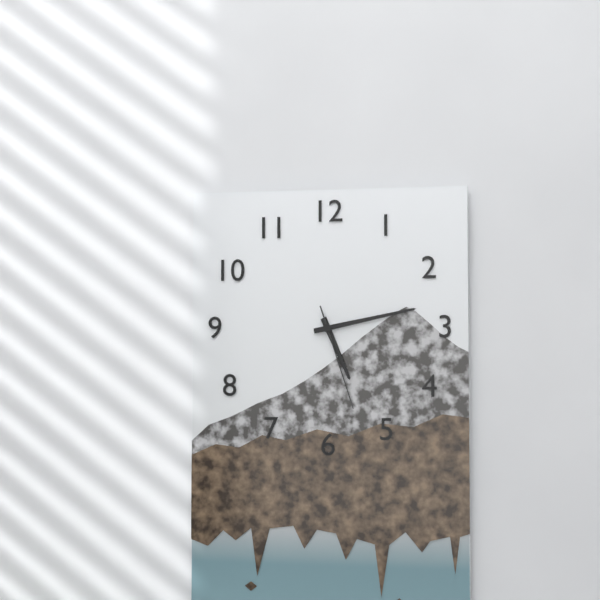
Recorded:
5 h 13 min 27 s
